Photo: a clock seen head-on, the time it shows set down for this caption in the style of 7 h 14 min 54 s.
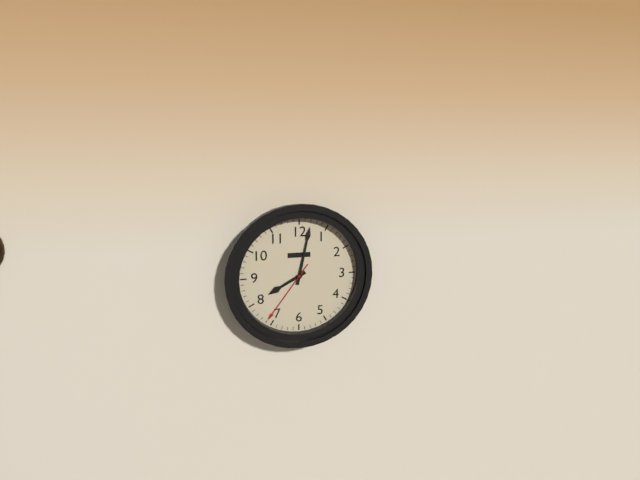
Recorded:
8 h 02 min 36 s
